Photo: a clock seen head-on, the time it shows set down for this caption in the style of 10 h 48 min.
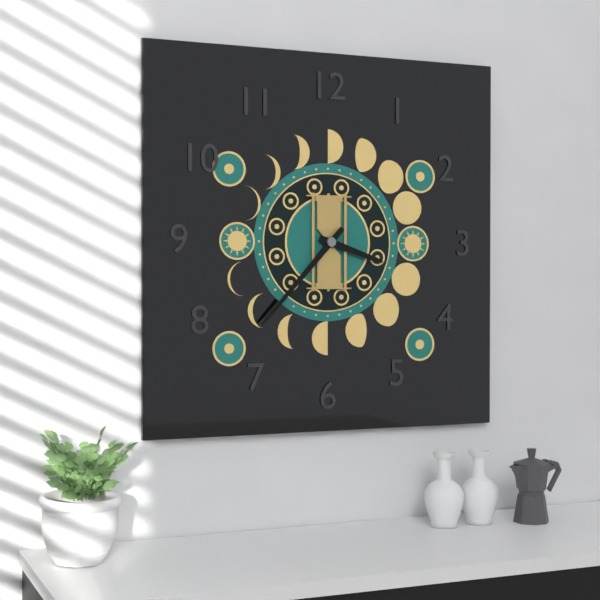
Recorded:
3 h 37 min
